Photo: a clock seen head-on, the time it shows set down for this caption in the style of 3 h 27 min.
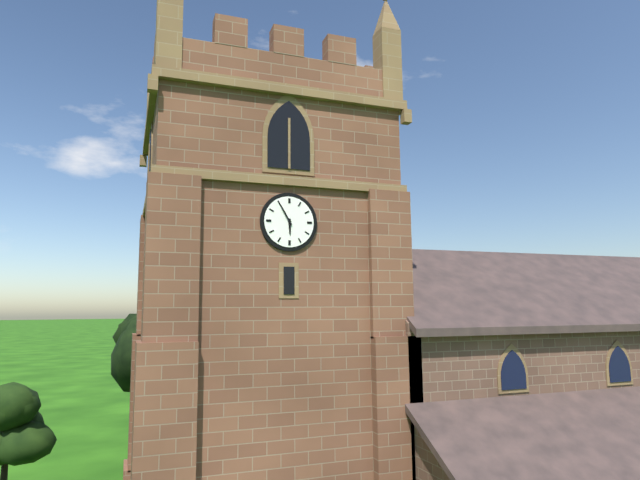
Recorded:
5 h 55 min
